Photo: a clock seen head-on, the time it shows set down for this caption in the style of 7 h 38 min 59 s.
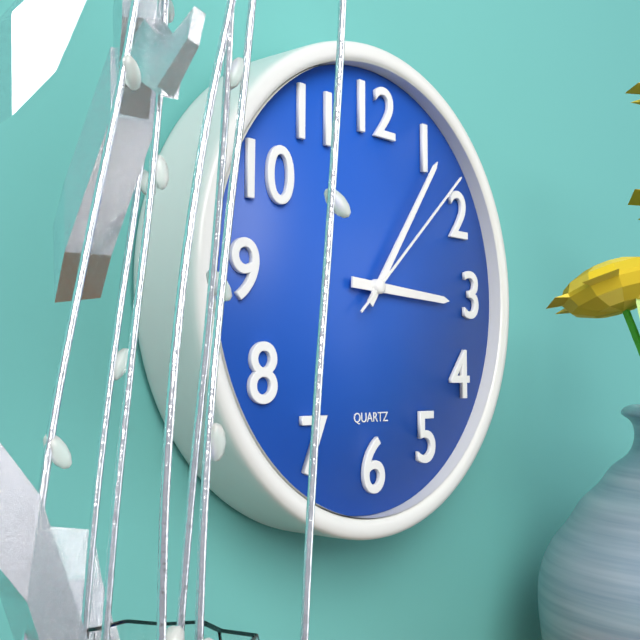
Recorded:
3 h 06 min 08 s
